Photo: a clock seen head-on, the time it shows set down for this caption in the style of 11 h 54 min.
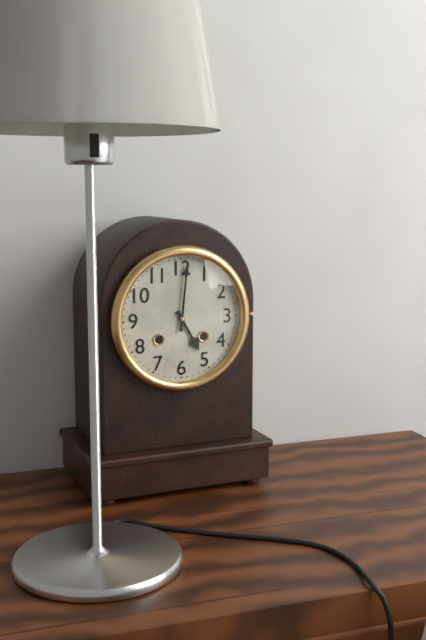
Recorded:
5 h 01 min
